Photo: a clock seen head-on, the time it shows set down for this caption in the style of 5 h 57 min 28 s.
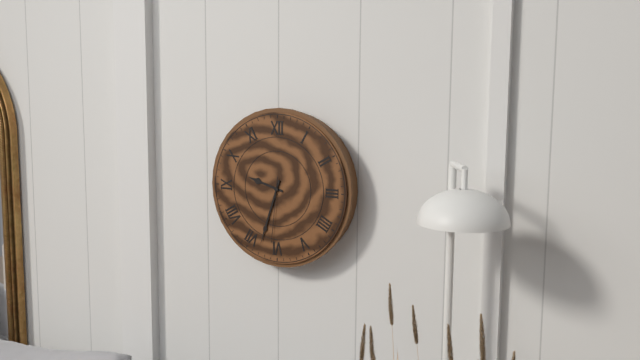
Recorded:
9 h 33 min 31 s
